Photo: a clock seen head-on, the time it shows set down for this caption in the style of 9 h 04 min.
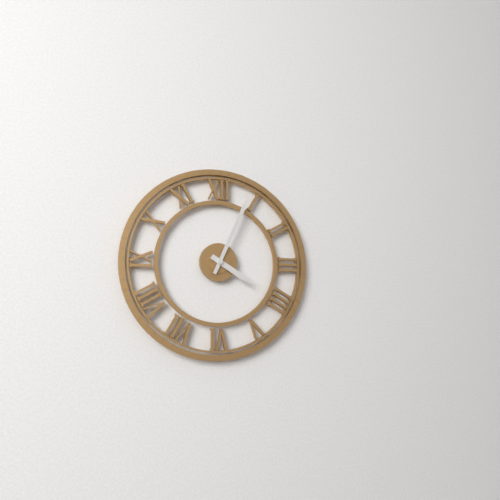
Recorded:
4 h 04 min
